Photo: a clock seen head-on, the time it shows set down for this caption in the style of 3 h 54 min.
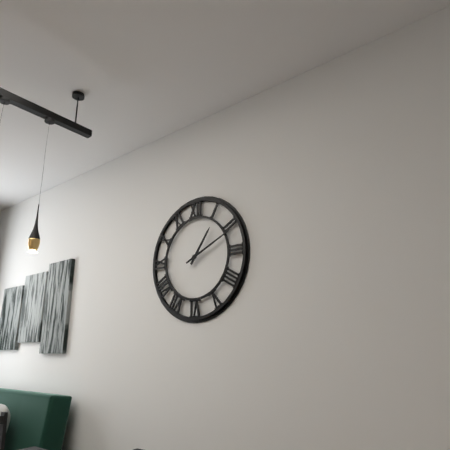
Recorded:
1 h 11 min
